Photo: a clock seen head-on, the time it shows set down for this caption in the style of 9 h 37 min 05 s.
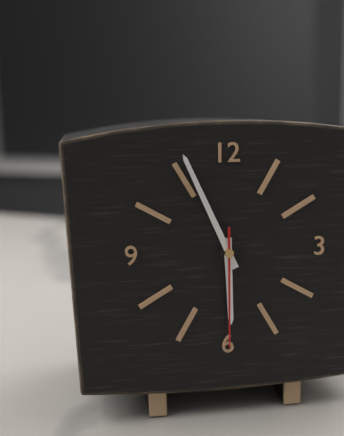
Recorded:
5 h 56 min 30 s
